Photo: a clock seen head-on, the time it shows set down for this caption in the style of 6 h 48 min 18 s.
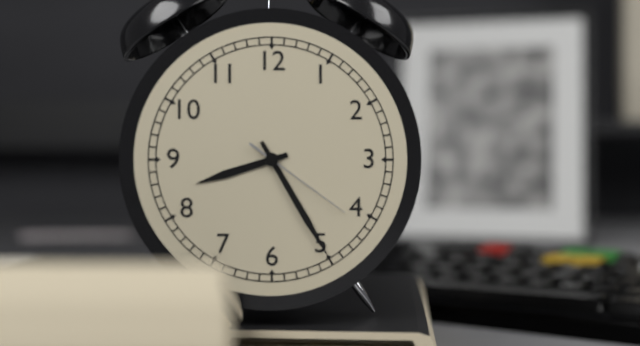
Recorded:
8 h 25 min 21 s
